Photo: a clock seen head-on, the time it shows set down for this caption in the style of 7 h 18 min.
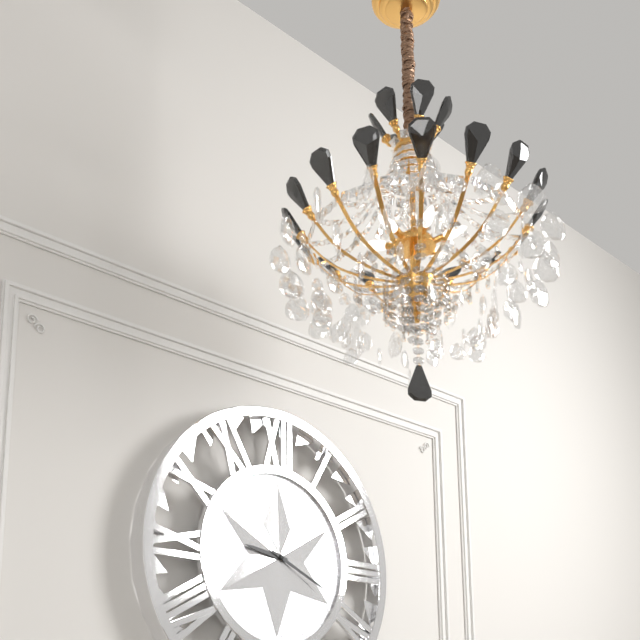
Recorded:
9 h 19 min
